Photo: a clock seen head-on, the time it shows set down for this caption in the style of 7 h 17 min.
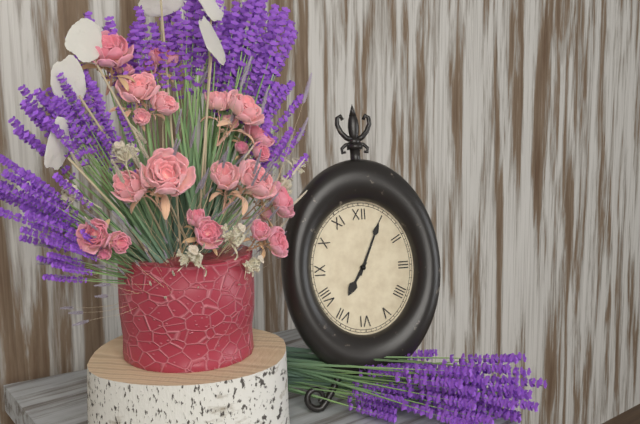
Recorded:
7 h 04 min
